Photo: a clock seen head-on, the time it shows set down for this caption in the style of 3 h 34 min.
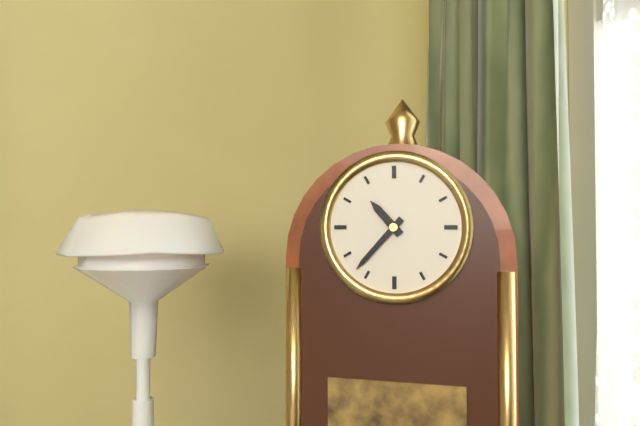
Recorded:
10 h 37 min
